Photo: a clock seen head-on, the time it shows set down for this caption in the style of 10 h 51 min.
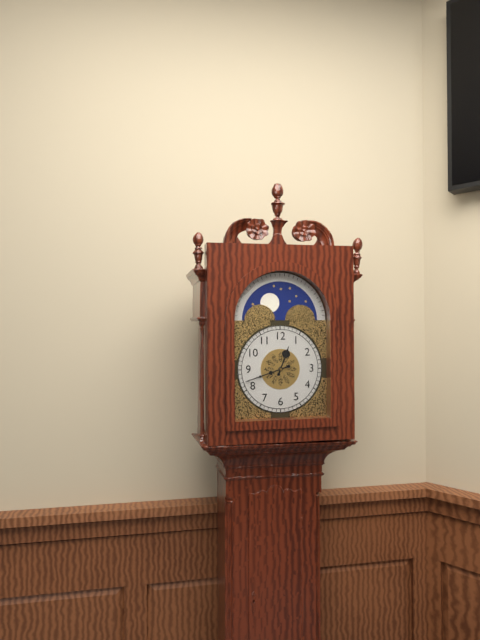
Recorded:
12 h 42 min
